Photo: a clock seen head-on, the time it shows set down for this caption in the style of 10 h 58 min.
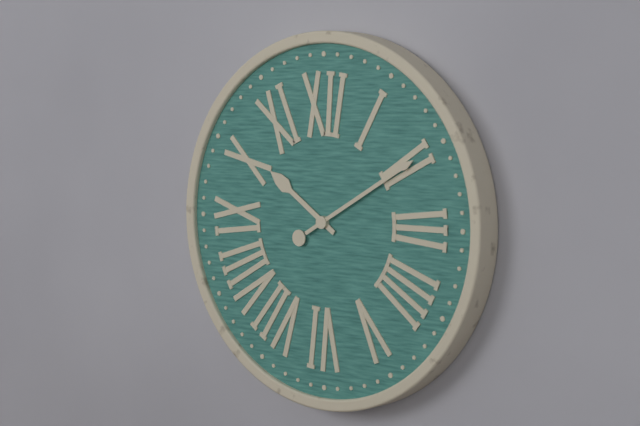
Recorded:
10 h 10 min
